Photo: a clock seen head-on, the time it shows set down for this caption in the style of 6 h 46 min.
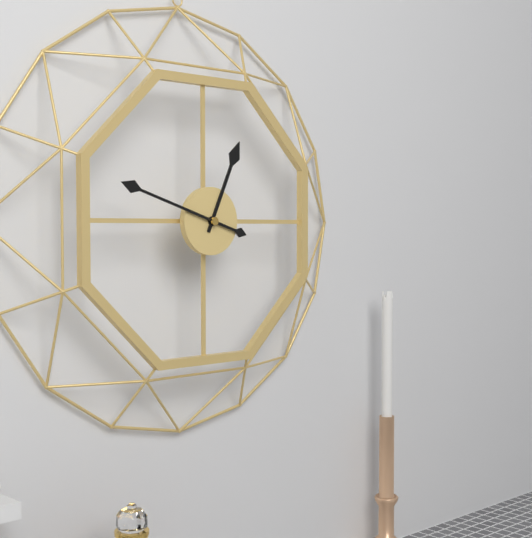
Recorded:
12 h 48 min
